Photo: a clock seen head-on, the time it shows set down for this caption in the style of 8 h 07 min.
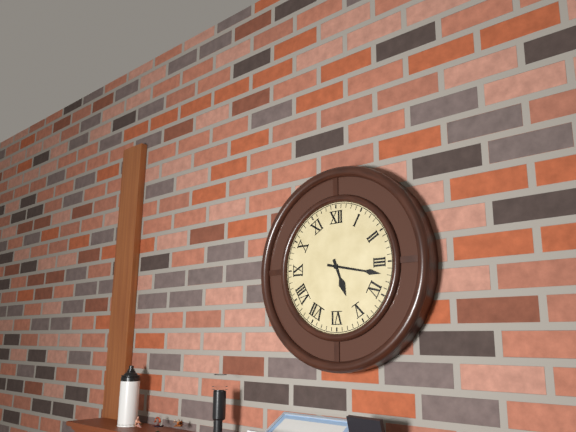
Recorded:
5 h 17 min
